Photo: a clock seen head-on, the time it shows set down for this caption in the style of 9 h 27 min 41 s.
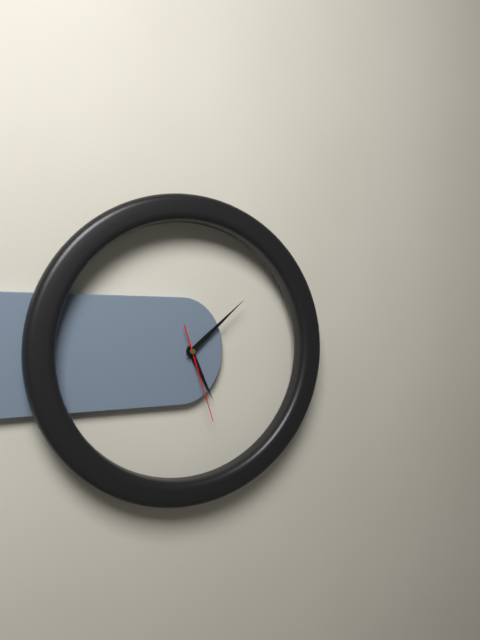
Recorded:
5 h 08 min 27 s
